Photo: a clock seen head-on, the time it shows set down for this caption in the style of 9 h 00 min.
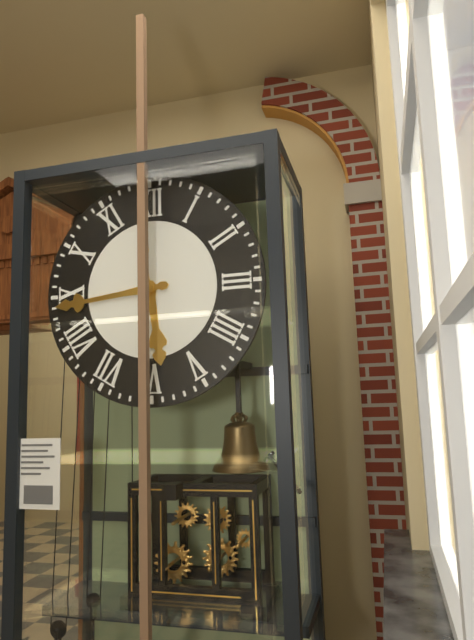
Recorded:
5 h 44 min
